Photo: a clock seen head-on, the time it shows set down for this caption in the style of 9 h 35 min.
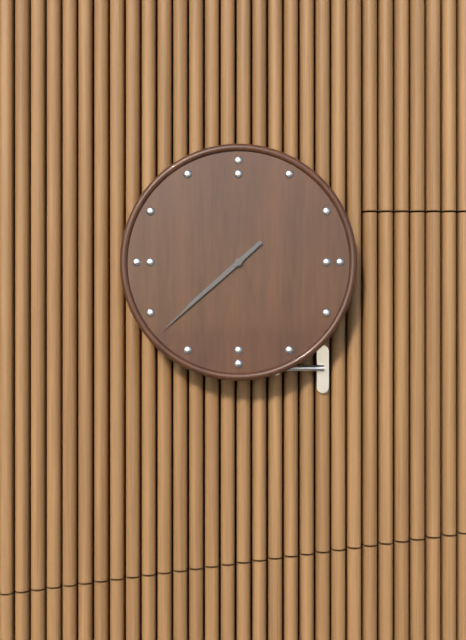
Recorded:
7 h 38 min
